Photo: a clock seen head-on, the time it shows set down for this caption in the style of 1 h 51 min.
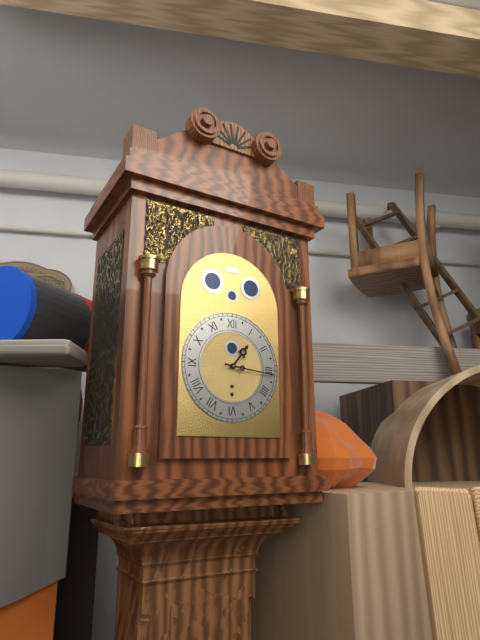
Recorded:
1 h 16 min
